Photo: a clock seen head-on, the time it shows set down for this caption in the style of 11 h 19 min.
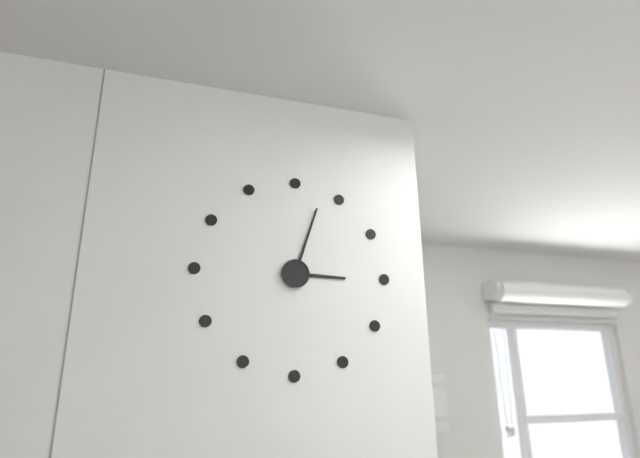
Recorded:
3 h 03 min
